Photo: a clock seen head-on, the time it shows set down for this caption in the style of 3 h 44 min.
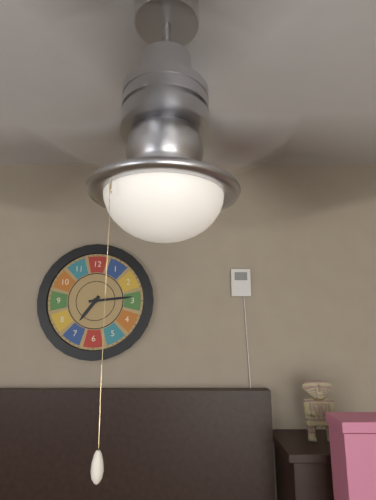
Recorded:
7 h 14 min
